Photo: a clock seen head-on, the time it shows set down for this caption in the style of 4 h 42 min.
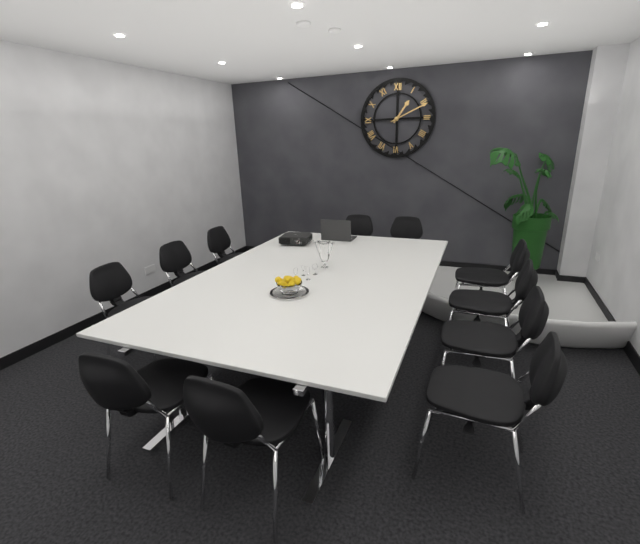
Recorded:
1 h 11 min
